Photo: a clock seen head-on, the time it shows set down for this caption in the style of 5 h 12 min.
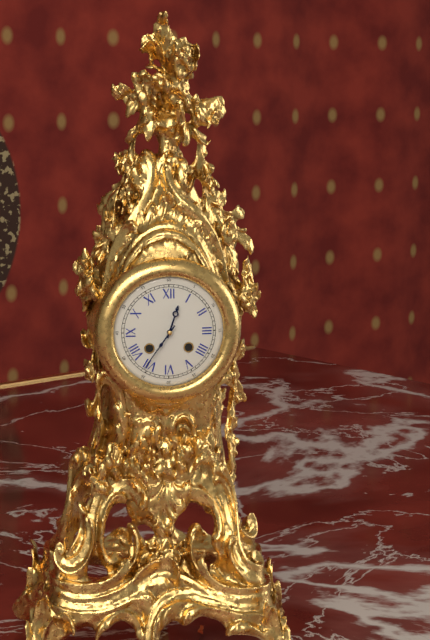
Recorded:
12 h 36 min
